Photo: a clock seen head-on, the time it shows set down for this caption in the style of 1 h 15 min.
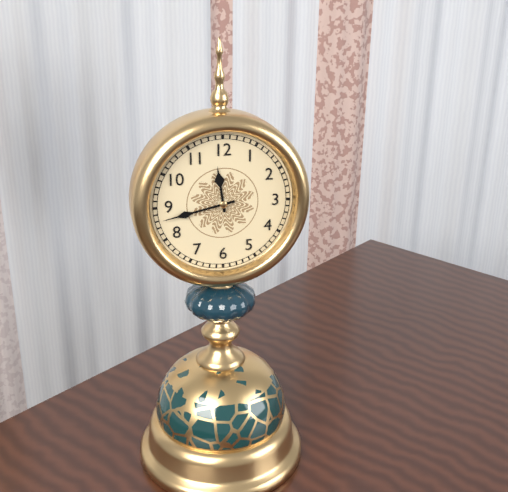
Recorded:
11 h 43 min
